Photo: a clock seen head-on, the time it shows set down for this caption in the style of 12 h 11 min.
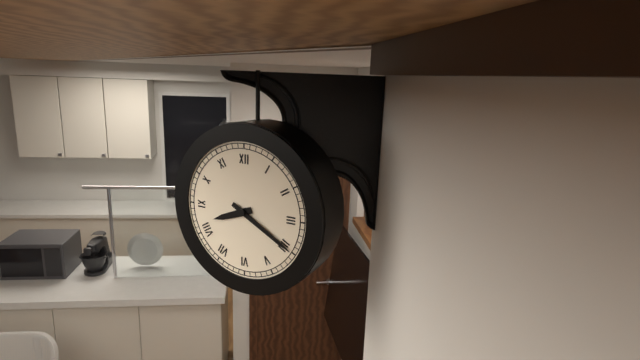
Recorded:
8 h 20 min
